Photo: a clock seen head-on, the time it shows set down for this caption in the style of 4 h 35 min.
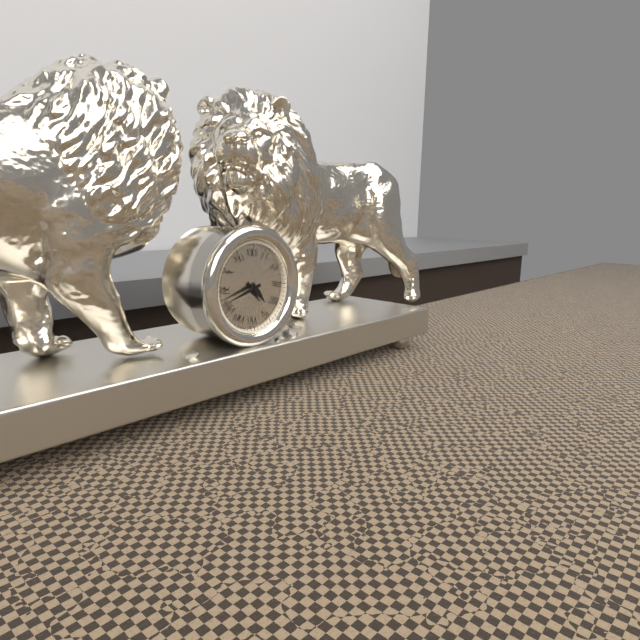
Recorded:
4 h 42 min
